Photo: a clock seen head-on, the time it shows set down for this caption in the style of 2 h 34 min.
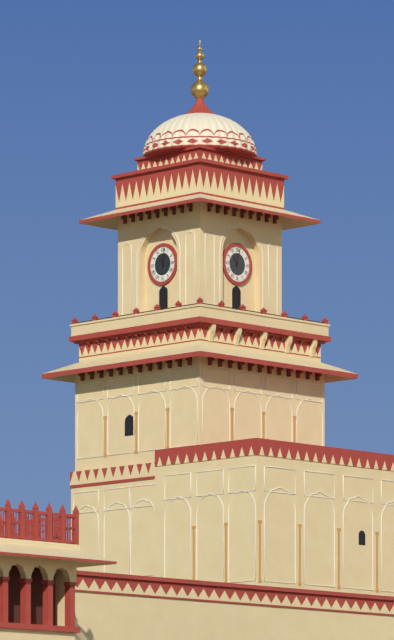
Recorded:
11 h 02 min
